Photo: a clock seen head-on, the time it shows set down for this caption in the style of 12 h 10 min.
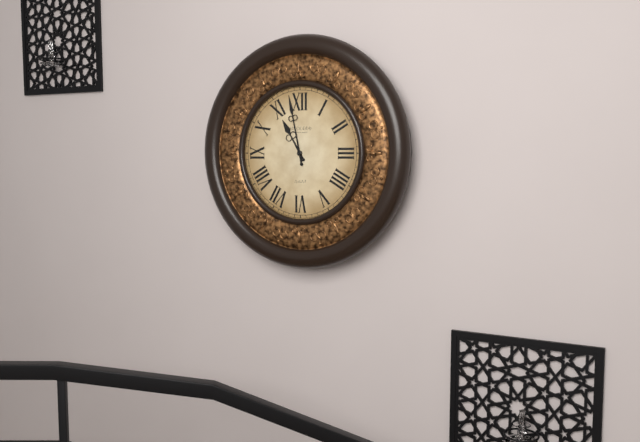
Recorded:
10 h 58 min
